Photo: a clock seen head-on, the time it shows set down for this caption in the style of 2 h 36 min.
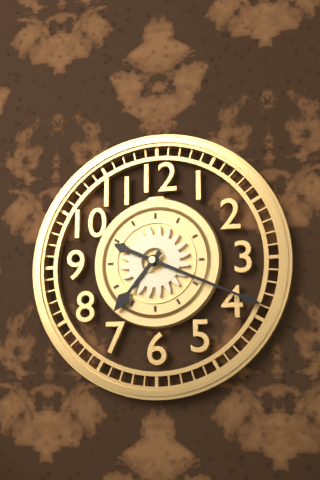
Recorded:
7 h 19 min
